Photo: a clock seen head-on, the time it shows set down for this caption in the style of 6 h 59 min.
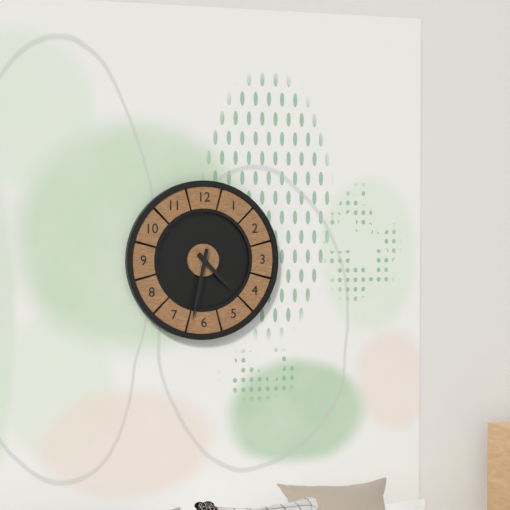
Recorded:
4 h 32 min
